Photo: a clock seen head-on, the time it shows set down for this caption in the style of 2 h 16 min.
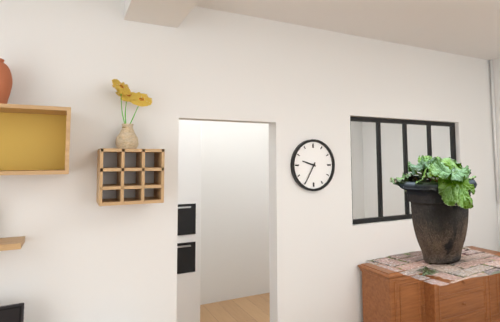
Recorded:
9 h 35 min
